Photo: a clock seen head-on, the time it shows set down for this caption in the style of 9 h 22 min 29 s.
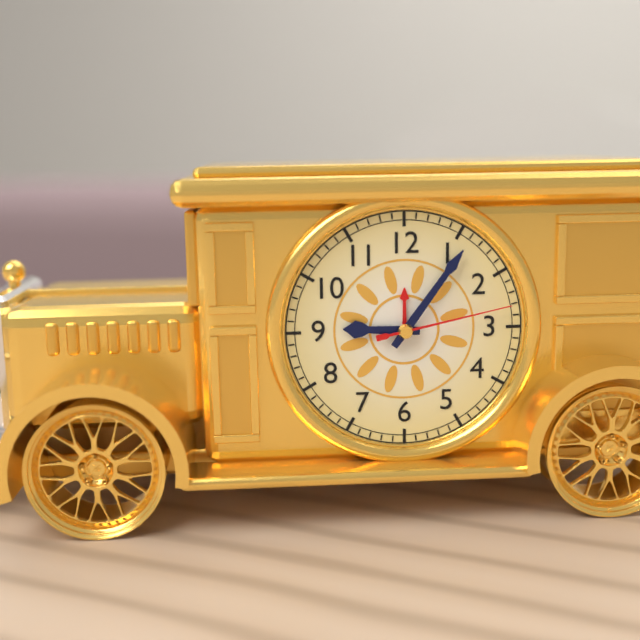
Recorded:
9 h 06 min 13 s
